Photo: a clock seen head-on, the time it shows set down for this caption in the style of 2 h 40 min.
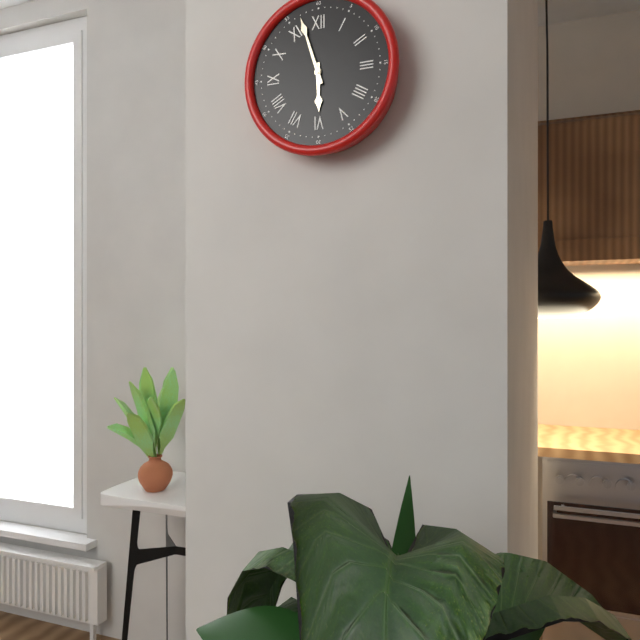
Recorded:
5 h 57 min
